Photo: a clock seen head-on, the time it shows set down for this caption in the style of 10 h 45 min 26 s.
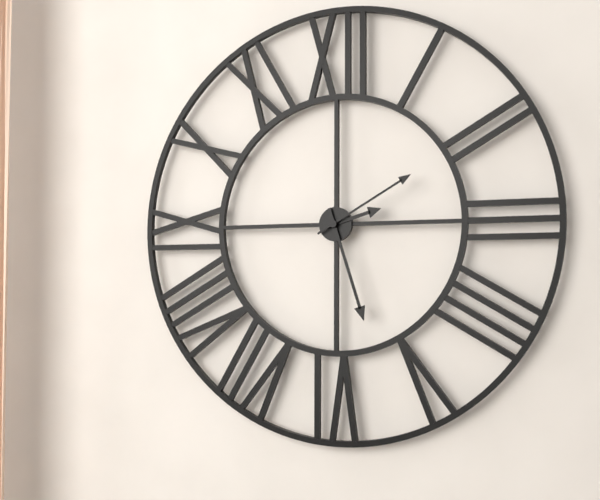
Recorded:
2 h 27 min 10 s
